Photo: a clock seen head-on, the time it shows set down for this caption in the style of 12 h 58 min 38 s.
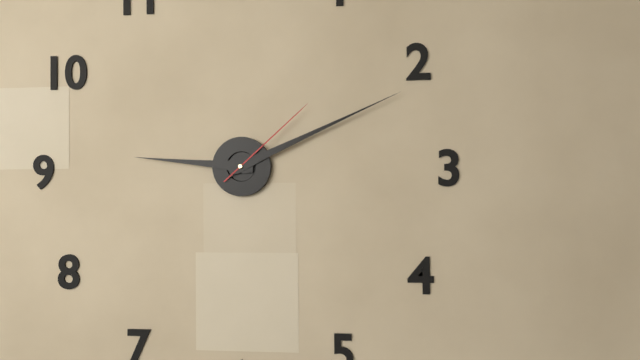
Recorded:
9 h 11 min 08 s
